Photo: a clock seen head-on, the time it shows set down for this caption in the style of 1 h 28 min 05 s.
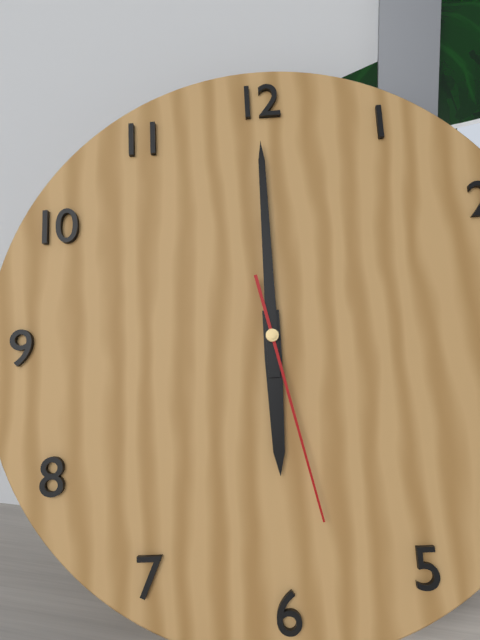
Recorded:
6 h 00 min 28 s
